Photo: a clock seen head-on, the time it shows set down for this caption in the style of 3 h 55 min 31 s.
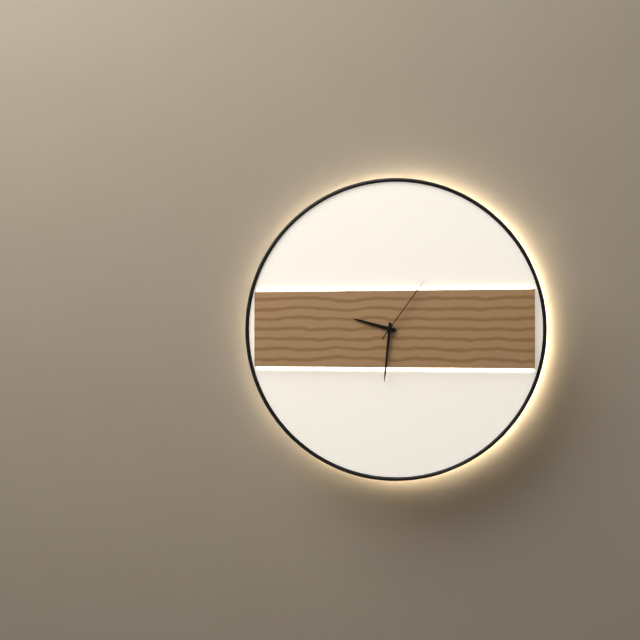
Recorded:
9 h 31 min 06 s
